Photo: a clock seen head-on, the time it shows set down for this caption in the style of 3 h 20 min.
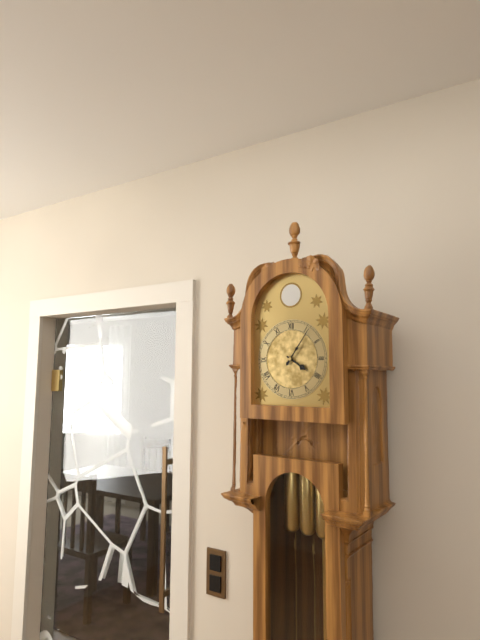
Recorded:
4 h 06 min
